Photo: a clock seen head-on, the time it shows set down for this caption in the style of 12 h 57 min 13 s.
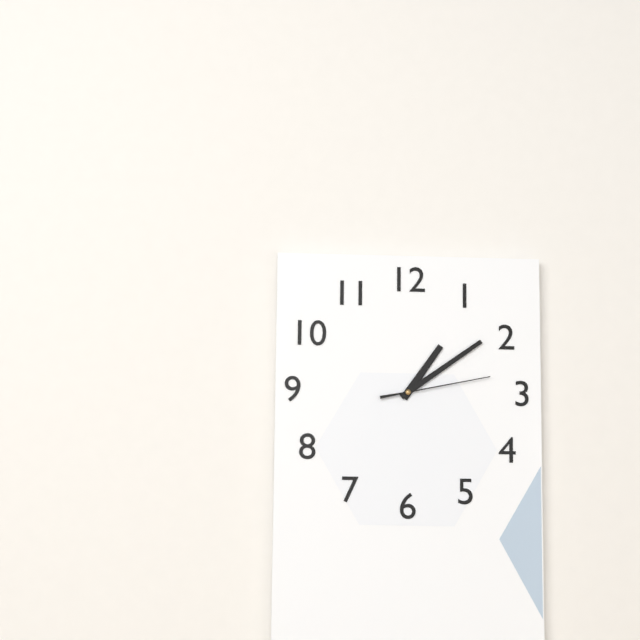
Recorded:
1 h 09 min 13 s
